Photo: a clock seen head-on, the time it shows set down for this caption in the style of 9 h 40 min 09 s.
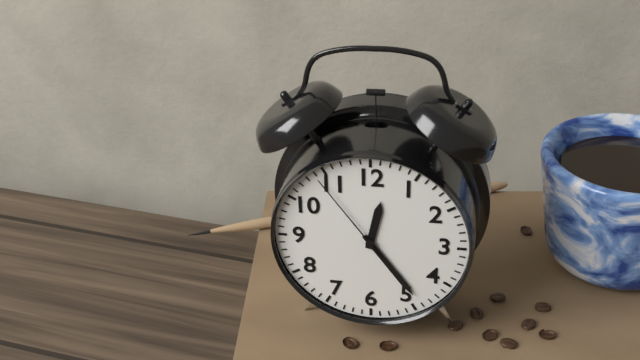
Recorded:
12 h 24 min 54 s
